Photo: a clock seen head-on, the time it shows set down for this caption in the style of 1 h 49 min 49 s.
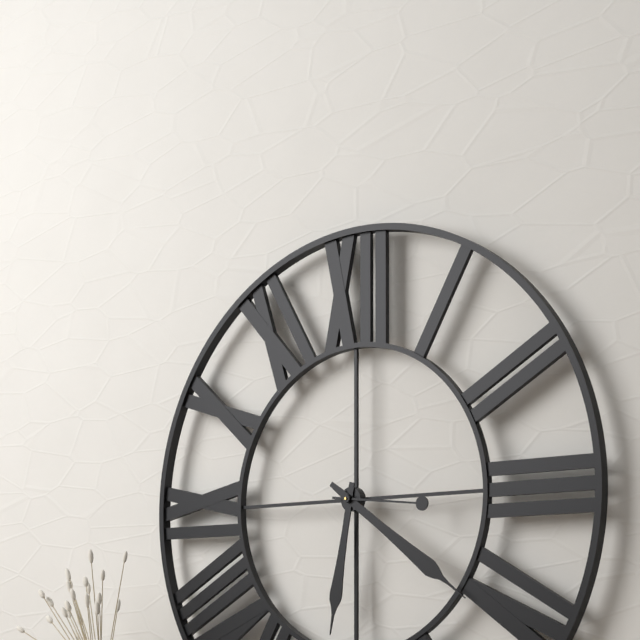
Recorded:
6 h 21 min 16 s
